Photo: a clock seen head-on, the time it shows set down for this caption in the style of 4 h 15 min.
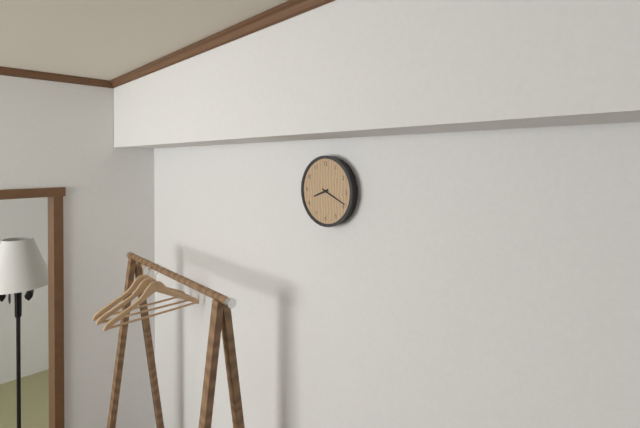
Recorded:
8 h 19 min
